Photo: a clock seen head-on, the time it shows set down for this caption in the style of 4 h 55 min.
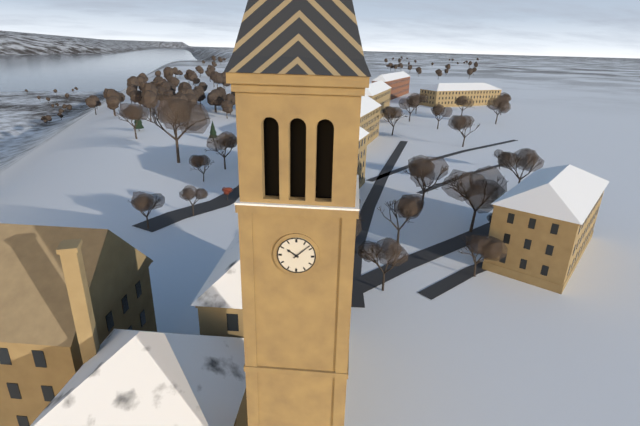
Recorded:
10 h 08 min
